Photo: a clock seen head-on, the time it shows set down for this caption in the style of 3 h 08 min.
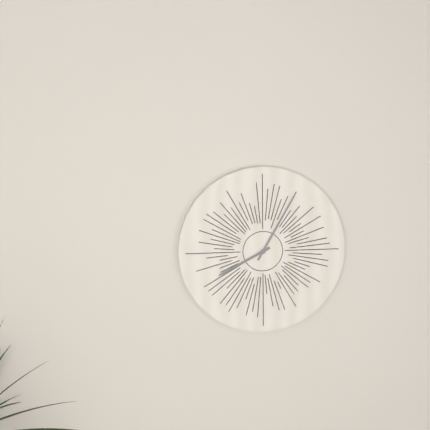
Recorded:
8 h 05 min
